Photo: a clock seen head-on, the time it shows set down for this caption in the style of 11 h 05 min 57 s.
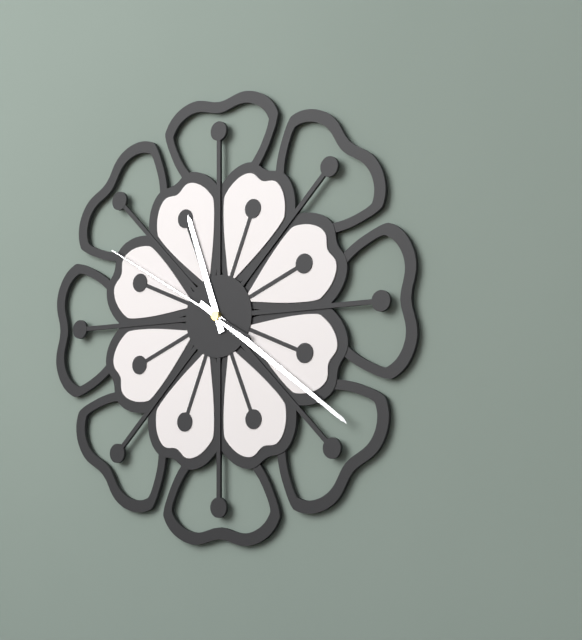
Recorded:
11 h 21 min 50 s
